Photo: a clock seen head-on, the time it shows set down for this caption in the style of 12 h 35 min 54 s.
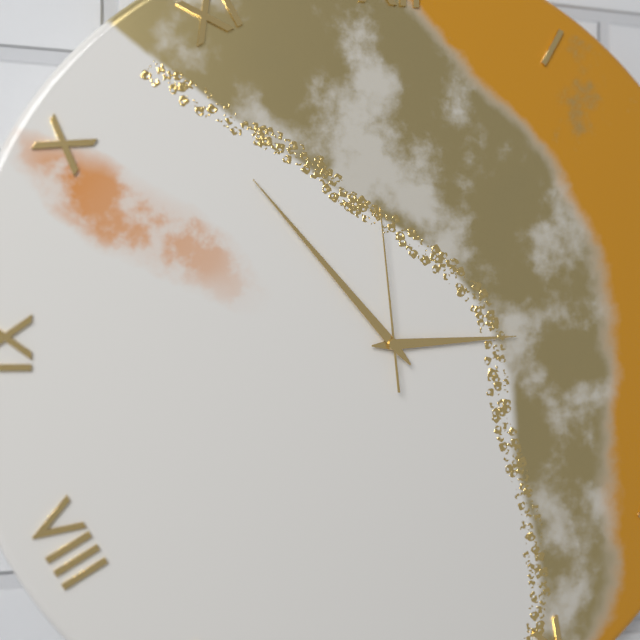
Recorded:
2 h 53 min 59 s
